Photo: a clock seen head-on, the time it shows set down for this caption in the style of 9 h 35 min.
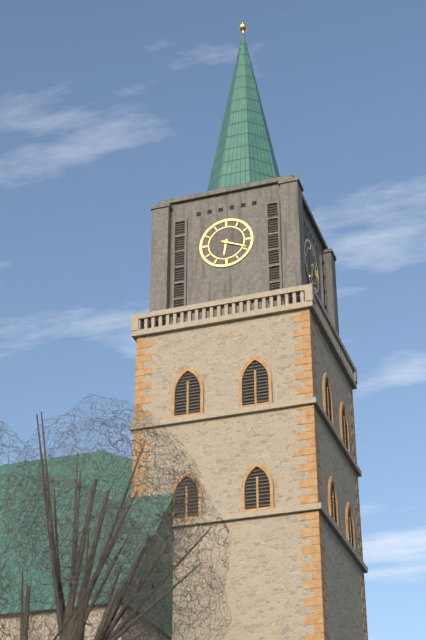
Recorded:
6 h 19 min
